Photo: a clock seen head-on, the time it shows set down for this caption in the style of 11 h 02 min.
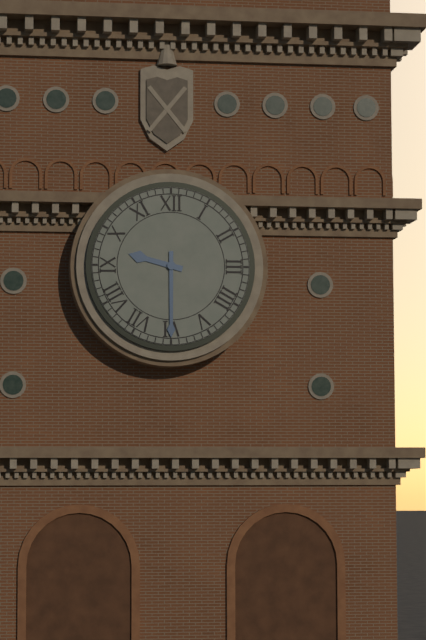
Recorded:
9 h 30 min
